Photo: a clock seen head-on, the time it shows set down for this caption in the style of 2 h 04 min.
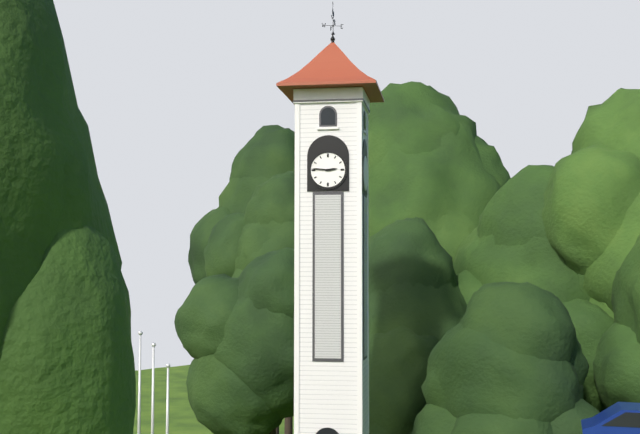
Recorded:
2 h 46 min
